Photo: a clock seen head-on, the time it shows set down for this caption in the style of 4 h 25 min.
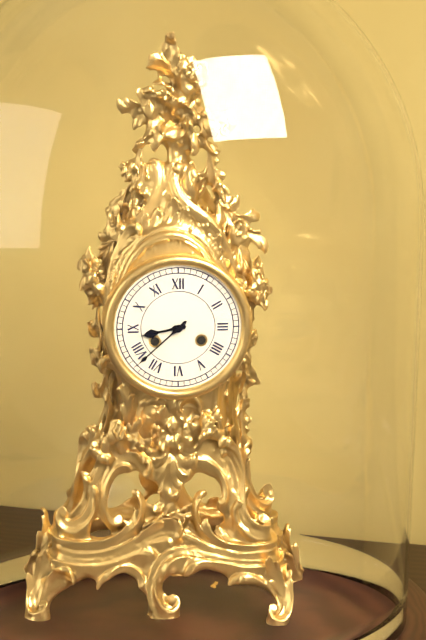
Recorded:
8 h 38 min
